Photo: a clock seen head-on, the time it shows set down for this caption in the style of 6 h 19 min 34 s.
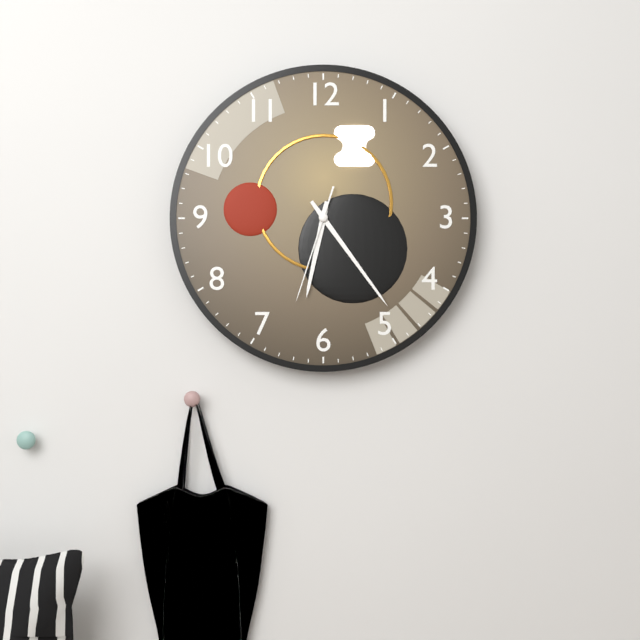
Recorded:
6 h 24 min 33 s
